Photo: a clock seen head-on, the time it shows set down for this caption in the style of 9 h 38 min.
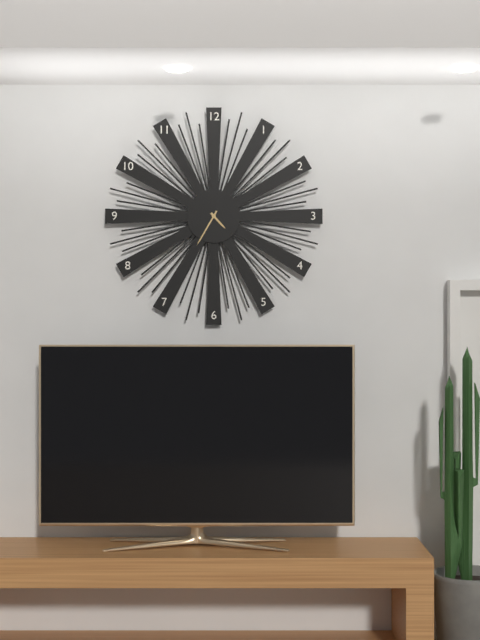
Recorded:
4 h 35 min
